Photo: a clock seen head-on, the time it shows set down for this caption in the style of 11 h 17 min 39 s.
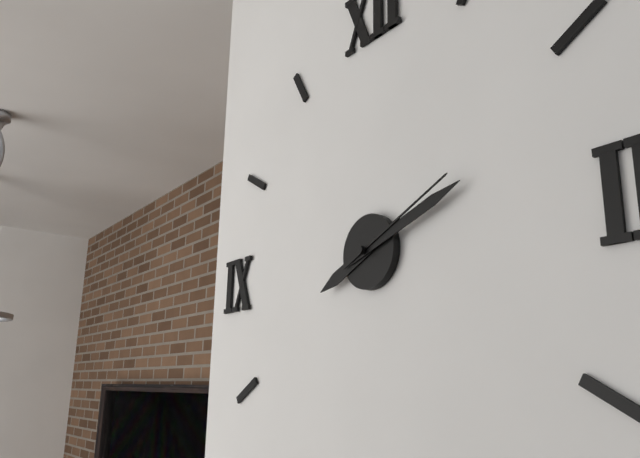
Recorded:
8 h 12 min 11 s
